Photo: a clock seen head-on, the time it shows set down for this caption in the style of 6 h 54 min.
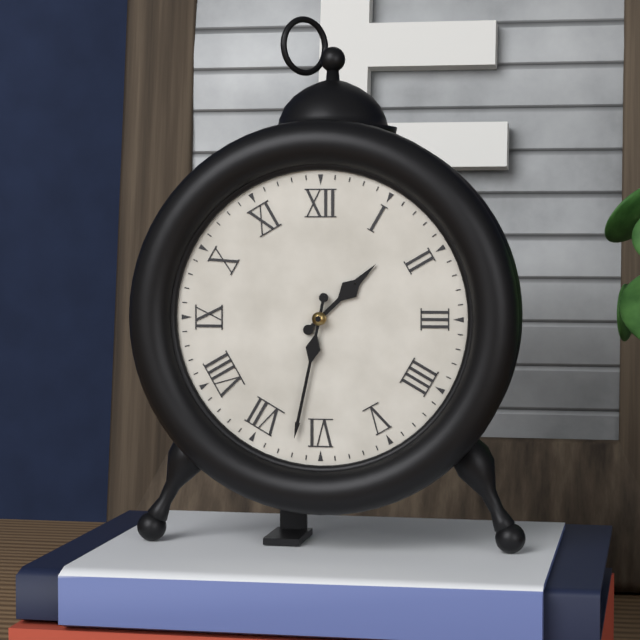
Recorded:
1 h 32 min
